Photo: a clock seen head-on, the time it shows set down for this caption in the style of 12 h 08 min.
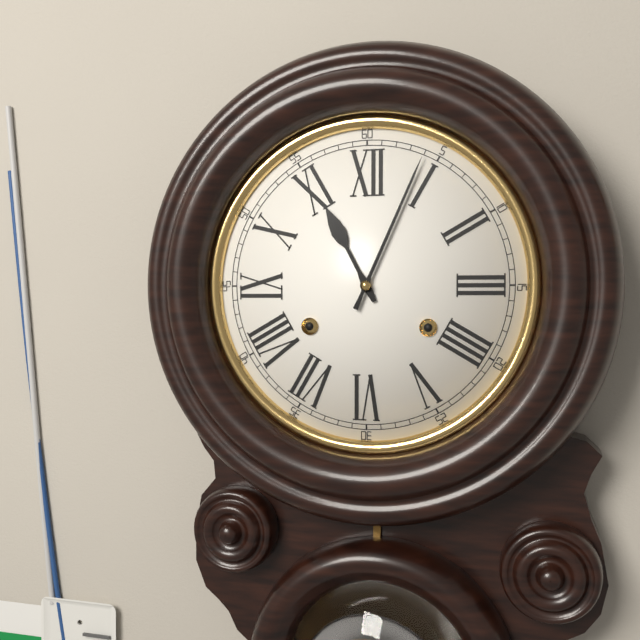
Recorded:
11 h 04 min
